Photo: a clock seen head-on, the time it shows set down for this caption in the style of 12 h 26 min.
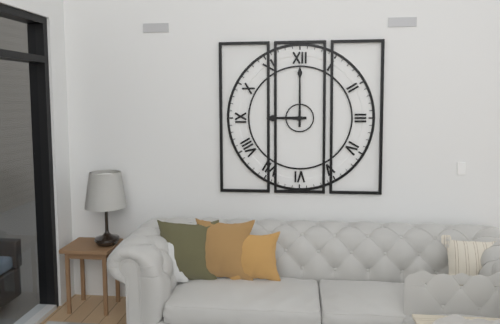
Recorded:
9 h 00 min
